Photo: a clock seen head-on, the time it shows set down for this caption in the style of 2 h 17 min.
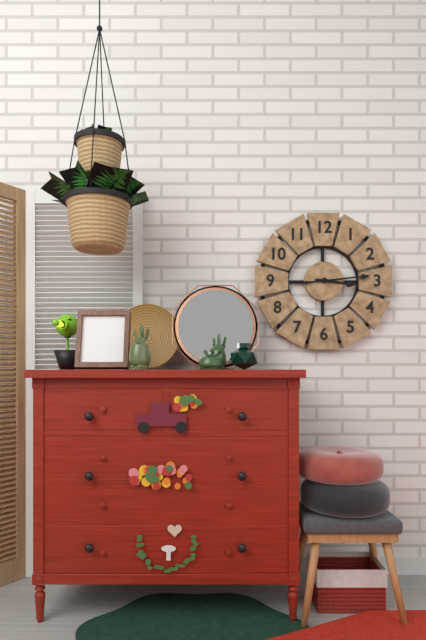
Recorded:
3 h 14 min
